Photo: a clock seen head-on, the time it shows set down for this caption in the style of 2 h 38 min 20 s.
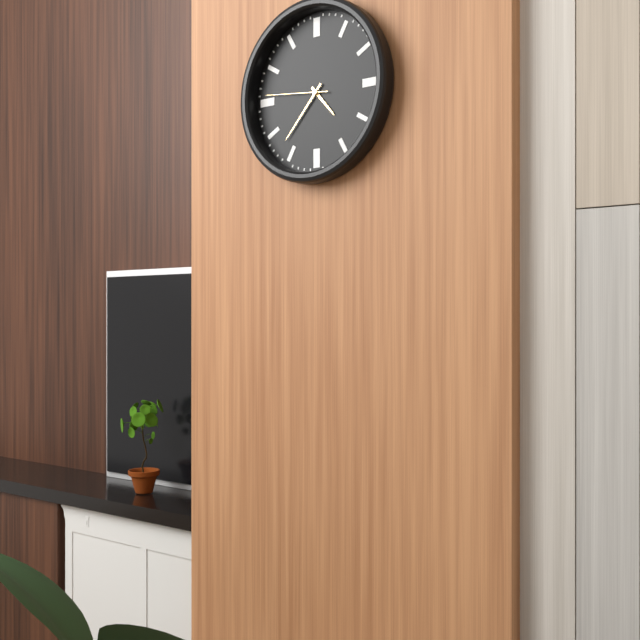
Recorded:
4 h 37 min 46 s
